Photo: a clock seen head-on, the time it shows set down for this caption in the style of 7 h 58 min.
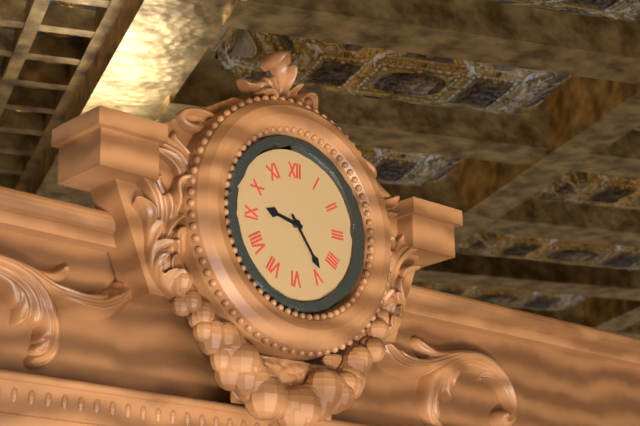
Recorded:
9 h 24 min
